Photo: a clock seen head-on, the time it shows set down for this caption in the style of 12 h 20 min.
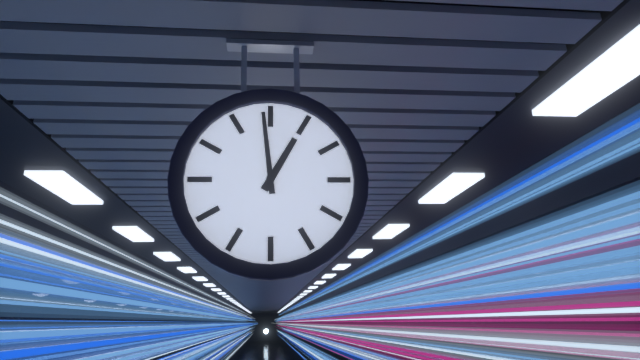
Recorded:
12 h 59 min
